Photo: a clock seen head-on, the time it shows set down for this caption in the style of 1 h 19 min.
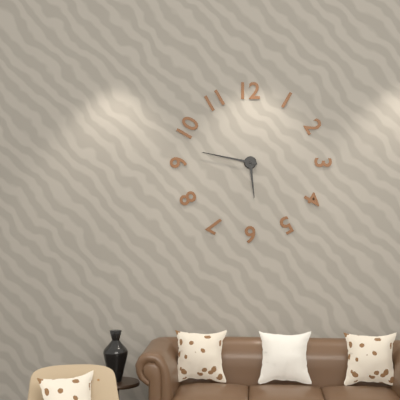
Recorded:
5 h 47 min
